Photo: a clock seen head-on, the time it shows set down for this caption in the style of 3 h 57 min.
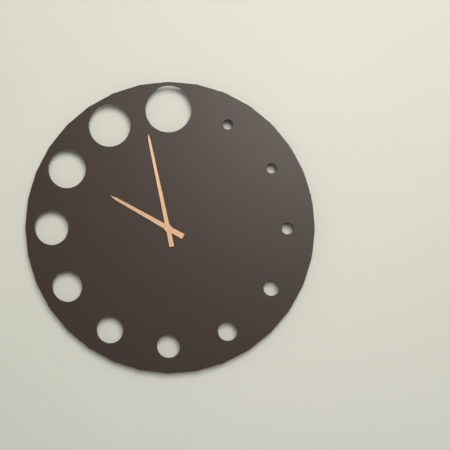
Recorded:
9 h 58 min
